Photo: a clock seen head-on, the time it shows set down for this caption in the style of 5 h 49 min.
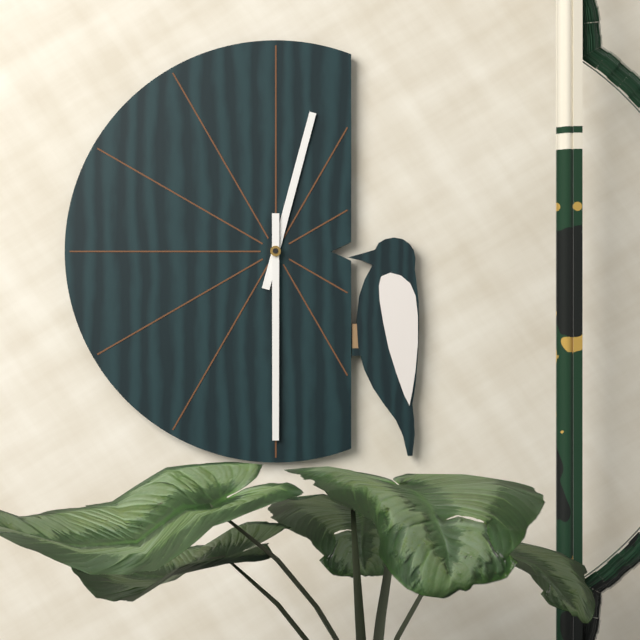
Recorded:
12 h 30 min
